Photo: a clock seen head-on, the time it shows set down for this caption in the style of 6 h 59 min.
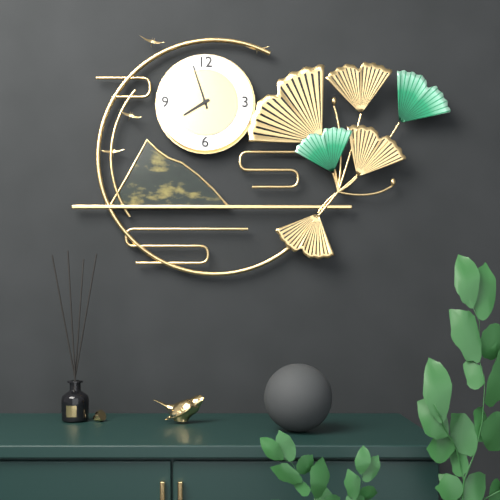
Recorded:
7 h 57 min
